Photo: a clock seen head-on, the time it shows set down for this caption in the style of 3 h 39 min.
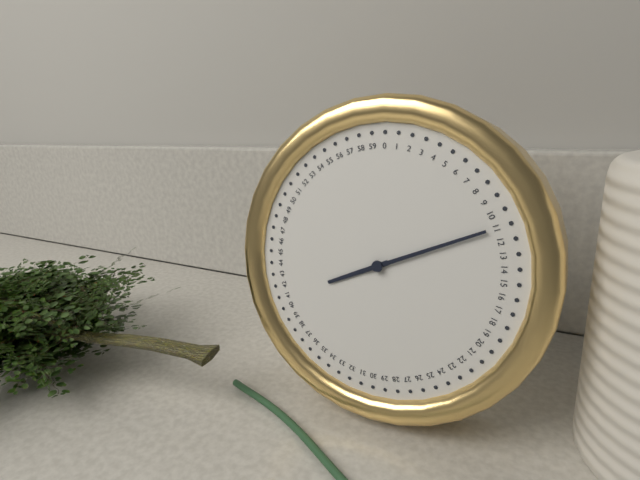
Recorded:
8 h 11 min
